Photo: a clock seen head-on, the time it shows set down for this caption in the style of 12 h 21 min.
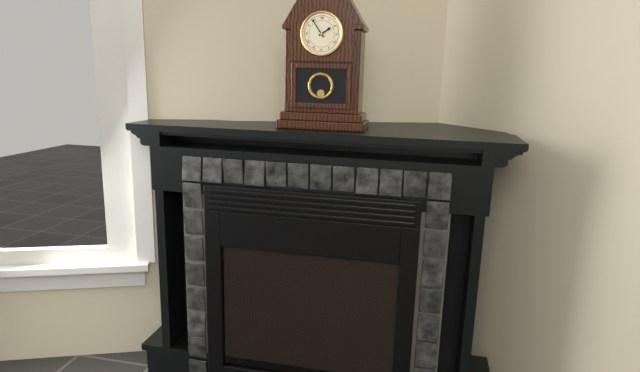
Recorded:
1 h 54 min
